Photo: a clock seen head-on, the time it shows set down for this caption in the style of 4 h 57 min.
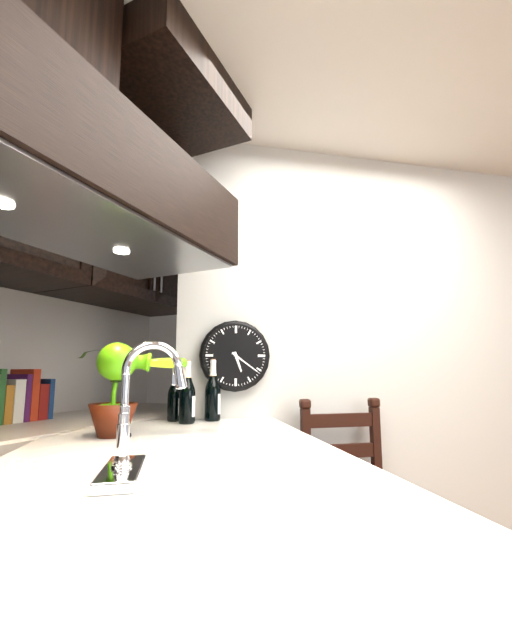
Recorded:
5 h 21 min
